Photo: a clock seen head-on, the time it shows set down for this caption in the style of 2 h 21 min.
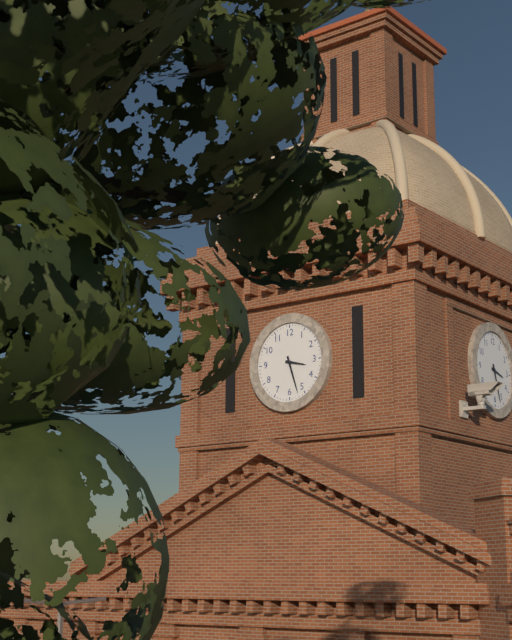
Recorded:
3 h 27 min
